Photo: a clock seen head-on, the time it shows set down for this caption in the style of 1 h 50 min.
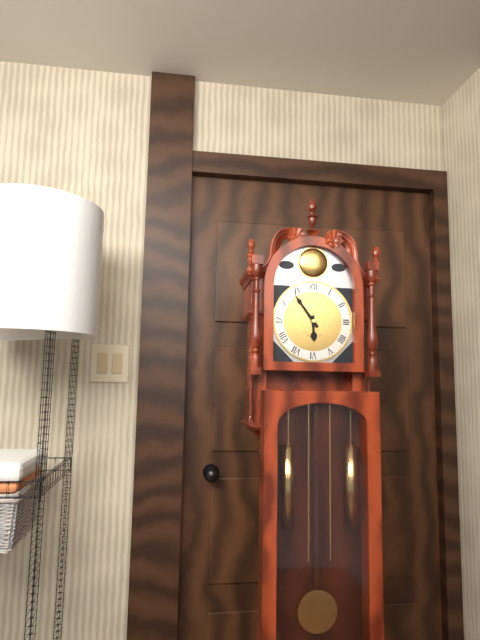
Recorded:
5 h 54 min
